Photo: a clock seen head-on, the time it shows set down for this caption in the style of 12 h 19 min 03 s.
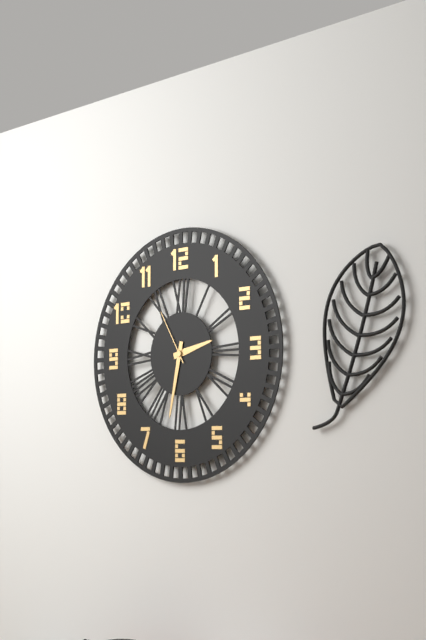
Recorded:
2 h 32 min 55 s
